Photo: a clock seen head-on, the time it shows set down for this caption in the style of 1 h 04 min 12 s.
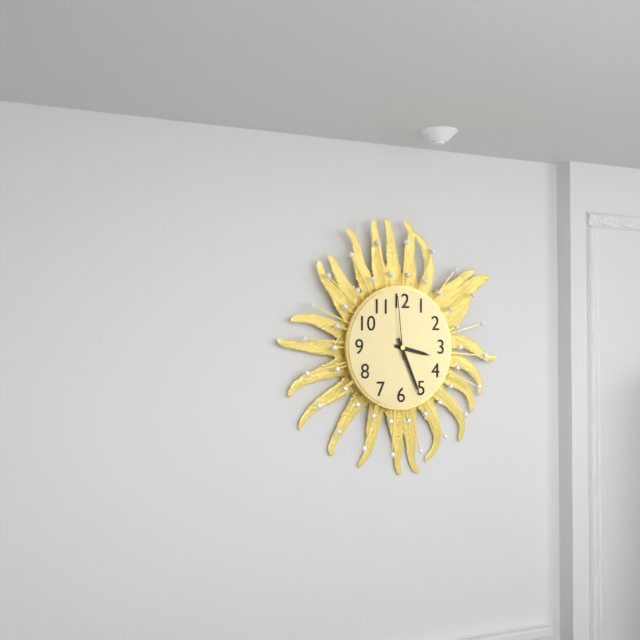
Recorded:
3 h 26 min 59 s
